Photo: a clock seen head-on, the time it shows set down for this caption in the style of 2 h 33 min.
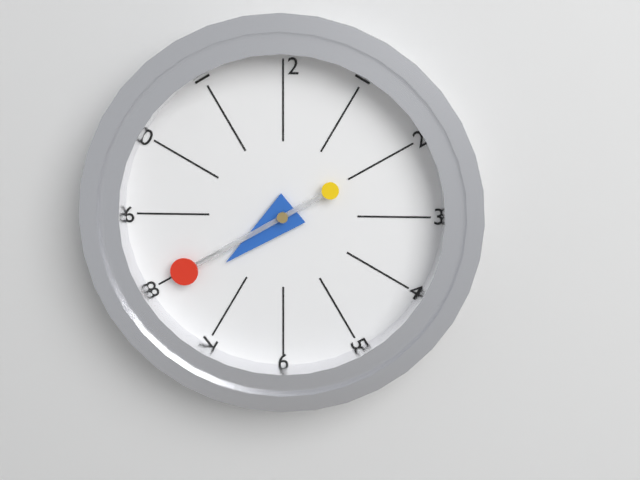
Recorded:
7 h 40 min
